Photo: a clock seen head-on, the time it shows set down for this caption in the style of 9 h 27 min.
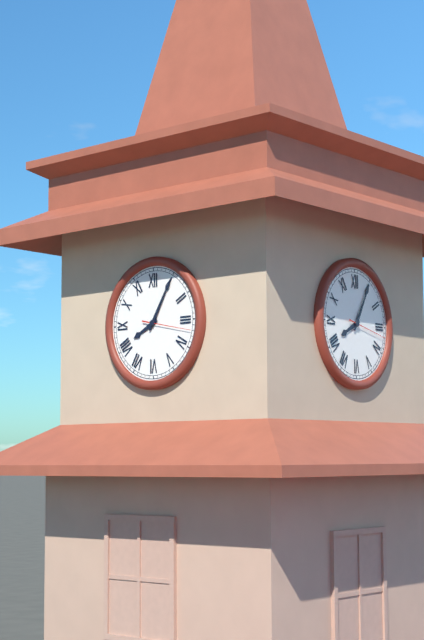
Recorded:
8 h 05 min
